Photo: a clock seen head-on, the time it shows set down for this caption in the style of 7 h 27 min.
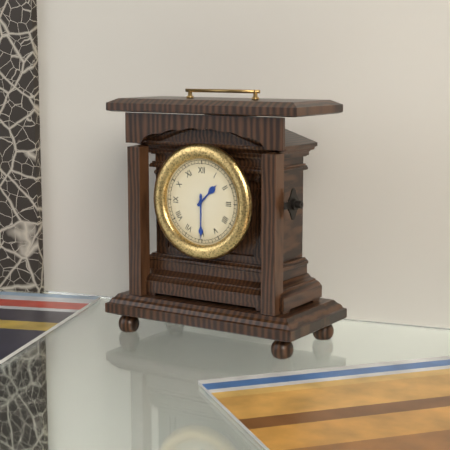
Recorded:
1 h 30 min
